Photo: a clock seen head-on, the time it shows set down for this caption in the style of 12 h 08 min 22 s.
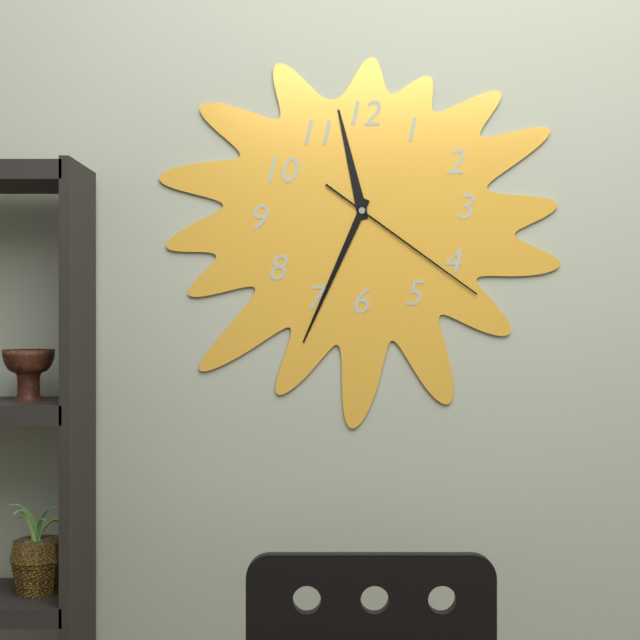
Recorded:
11 h 34 min 21 s
